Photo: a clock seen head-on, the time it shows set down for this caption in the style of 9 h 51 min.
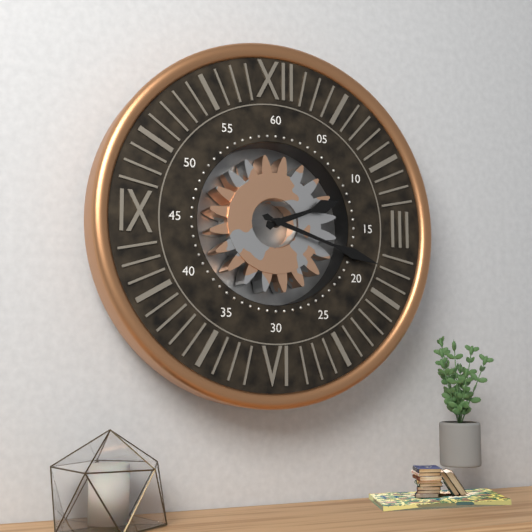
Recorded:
2 h 18 min
